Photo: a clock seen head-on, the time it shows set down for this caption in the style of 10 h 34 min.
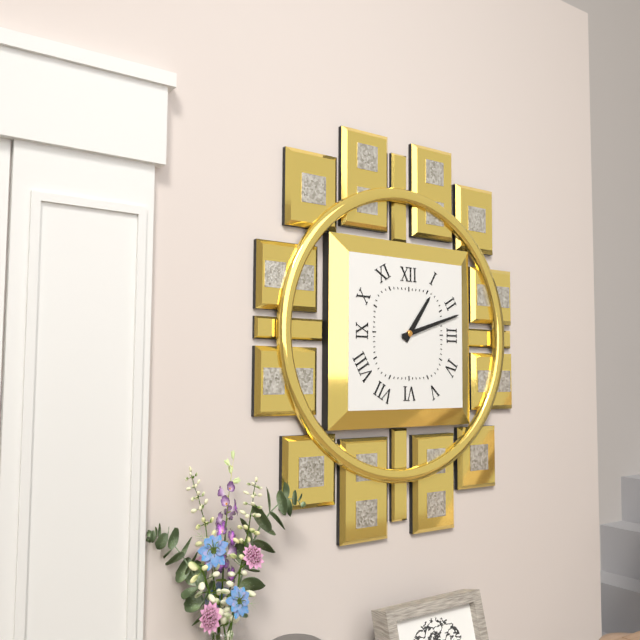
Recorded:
1 h 12 min
